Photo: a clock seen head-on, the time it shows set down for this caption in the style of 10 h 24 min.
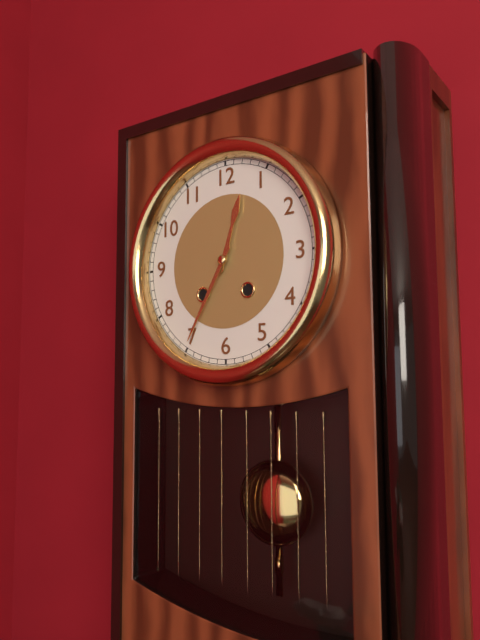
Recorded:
12 h 35 min
